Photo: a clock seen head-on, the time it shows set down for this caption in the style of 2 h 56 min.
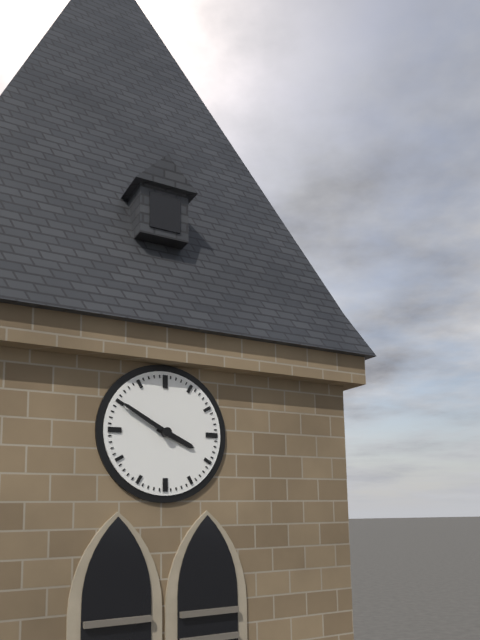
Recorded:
3 h 50 min
